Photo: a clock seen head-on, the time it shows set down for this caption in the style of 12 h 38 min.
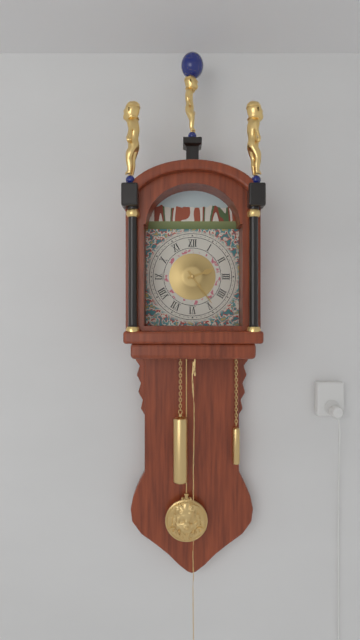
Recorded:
2 h 24 min
